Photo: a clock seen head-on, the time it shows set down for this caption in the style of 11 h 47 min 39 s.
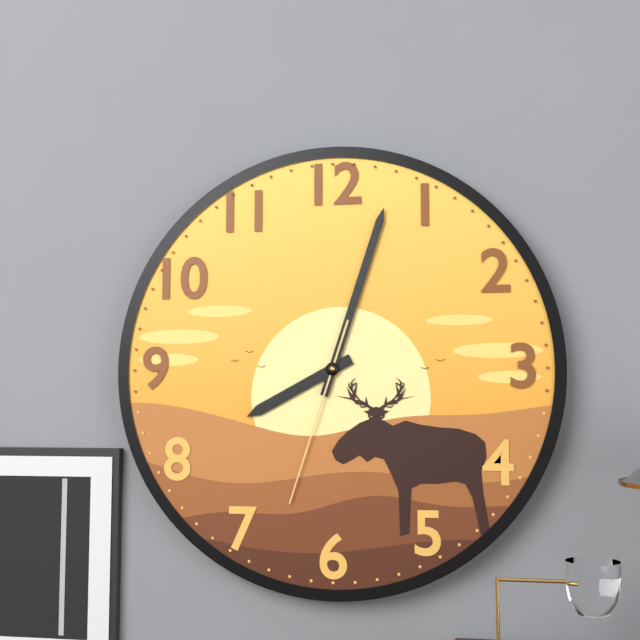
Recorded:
8 h 03 min 33 s
